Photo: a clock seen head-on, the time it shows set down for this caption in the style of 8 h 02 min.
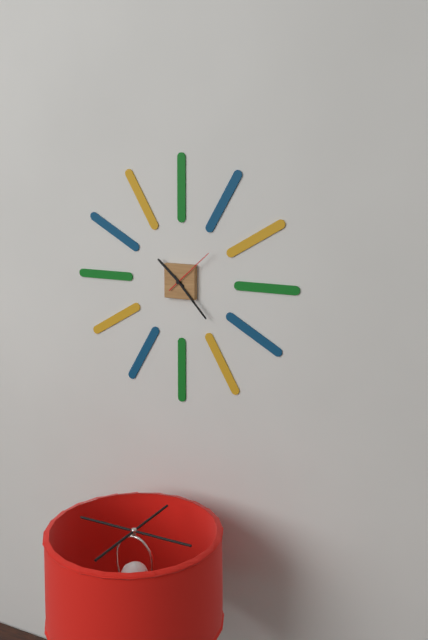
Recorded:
10 h 23 min
